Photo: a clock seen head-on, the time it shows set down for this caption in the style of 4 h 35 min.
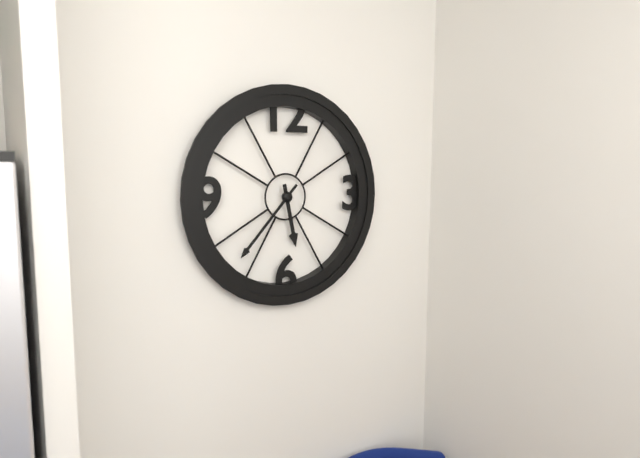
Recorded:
5 h 37 min
